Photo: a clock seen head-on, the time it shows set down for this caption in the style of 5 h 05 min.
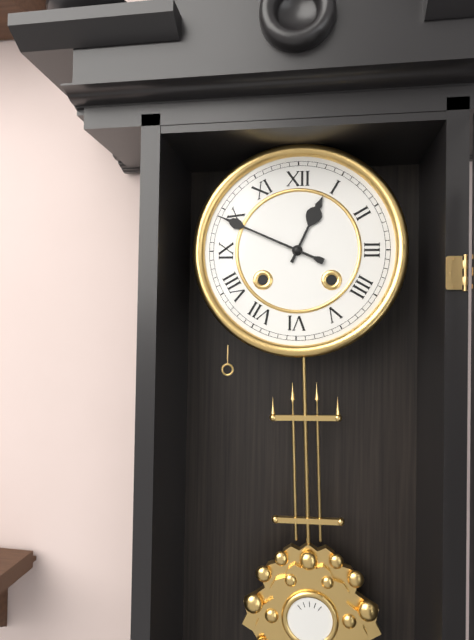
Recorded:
12 h 49 min
